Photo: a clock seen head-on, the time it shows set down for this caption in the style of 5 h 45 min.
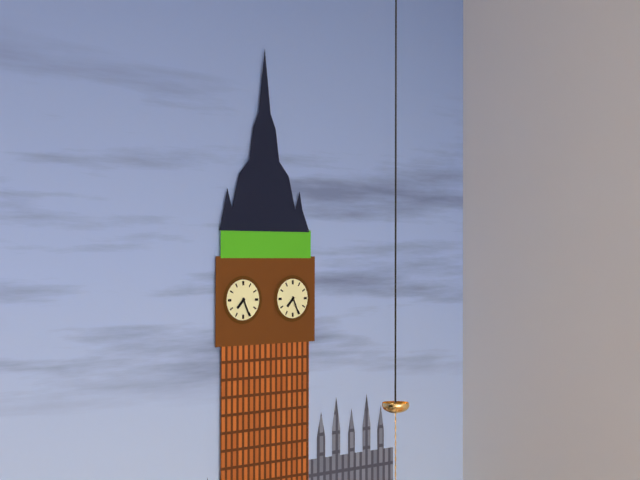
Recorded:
7 h 26 min
